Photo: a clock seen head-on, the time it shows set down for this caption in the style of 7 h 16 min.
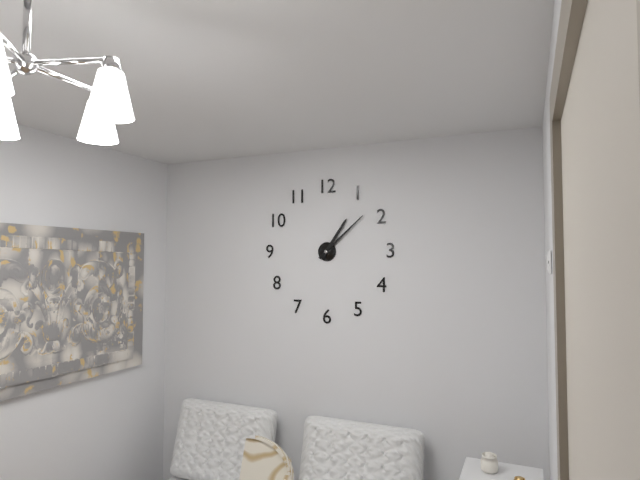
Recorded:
1 h 08 min
